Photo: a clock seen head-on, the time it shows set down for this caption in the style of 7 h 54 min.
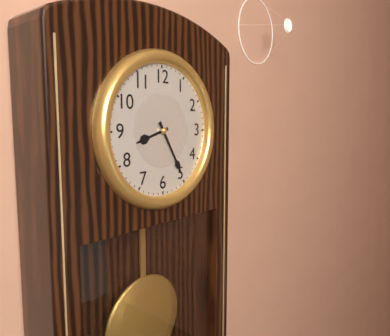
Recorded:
8 h 25 min
